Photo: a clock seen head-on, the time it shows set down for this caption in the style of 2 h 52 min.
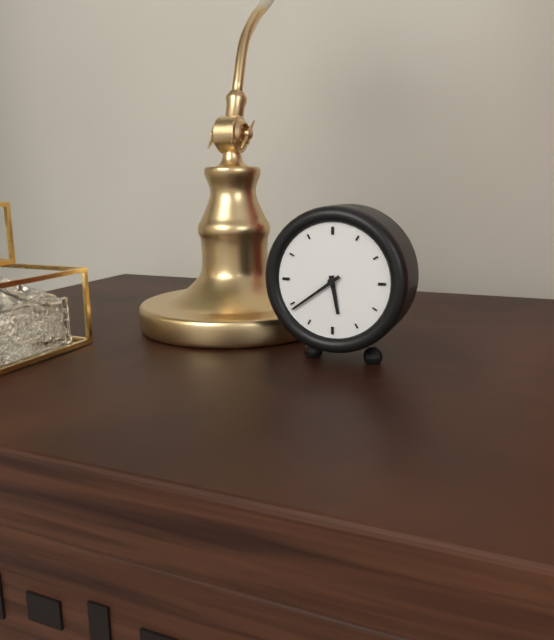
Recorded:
5 h 39 min
